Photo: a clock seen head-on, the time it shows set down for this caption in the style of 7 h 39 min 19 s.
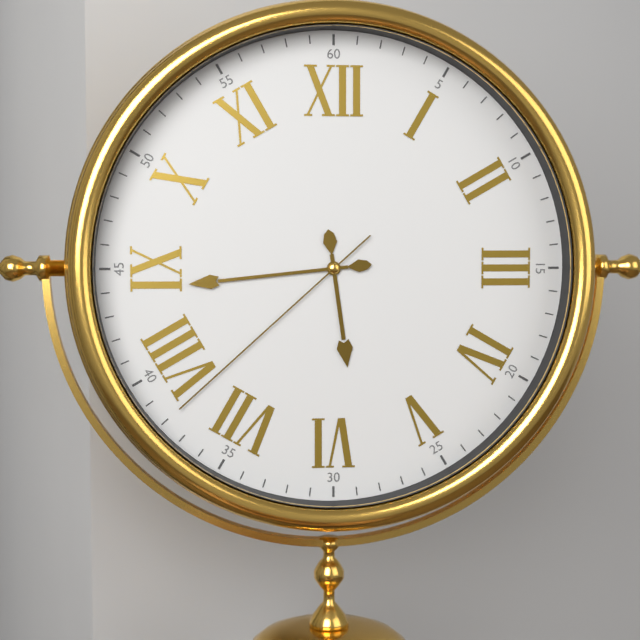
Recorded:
5 h 44 min 38 s
